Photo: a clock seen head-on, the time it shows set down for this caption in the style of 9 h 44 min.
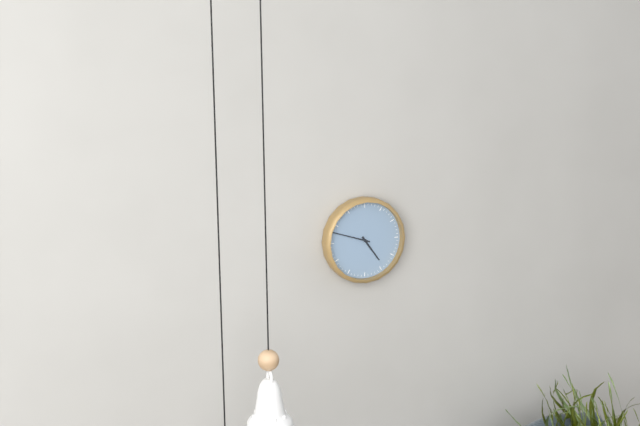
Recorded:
4 h 48 min
